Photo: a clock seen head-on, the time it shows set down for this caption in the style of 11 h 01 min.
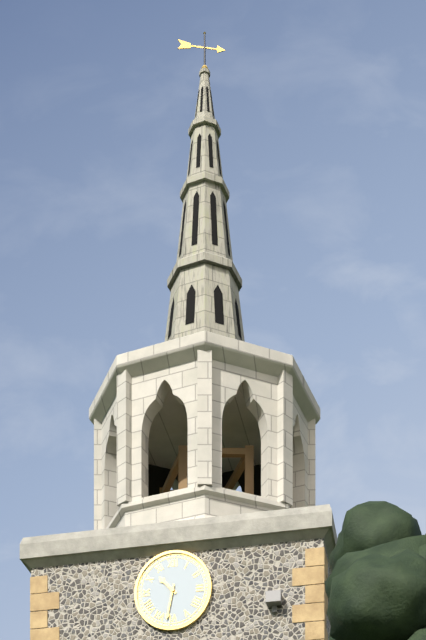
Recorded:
10 h 32 min
